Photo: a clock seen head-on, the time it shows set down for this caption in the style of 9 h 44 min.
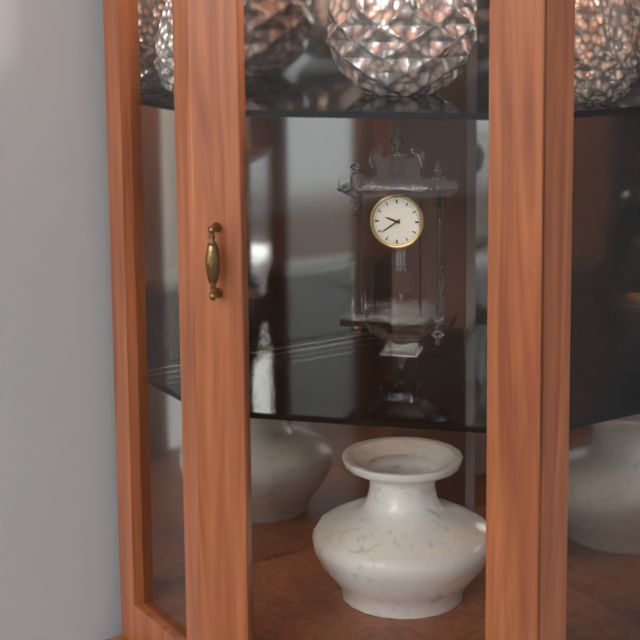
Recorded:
9 h 39 min
